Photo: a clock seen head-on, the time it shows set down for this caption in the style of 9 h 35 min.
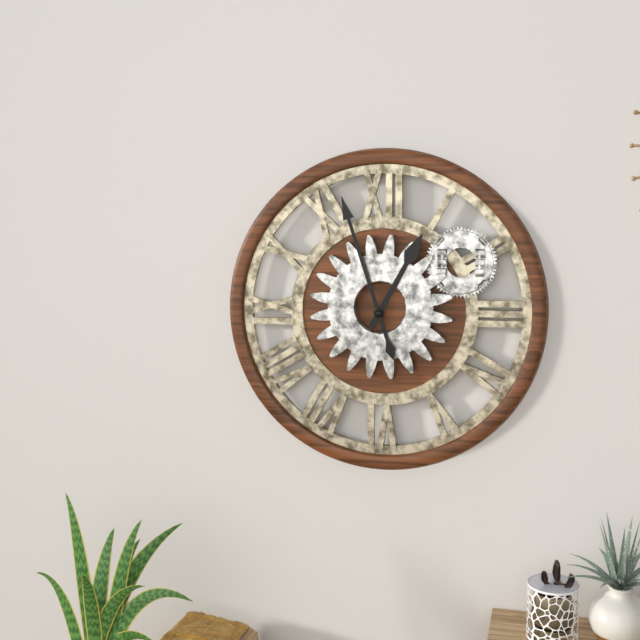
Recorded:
12 h 57 min
